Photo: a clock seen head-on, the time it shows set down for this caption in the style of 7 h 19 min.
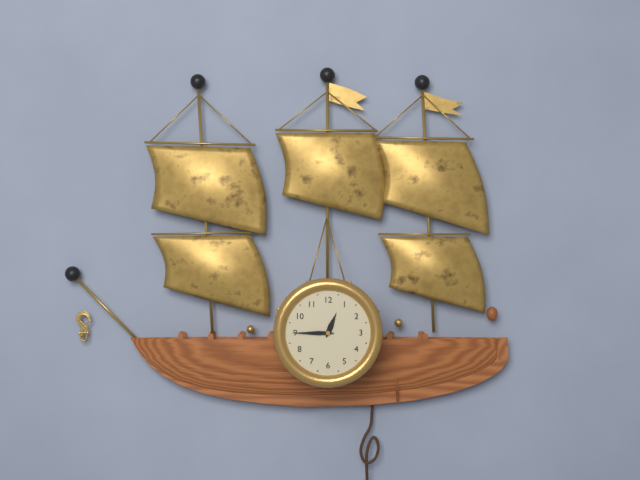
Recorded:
12 h 45 min
